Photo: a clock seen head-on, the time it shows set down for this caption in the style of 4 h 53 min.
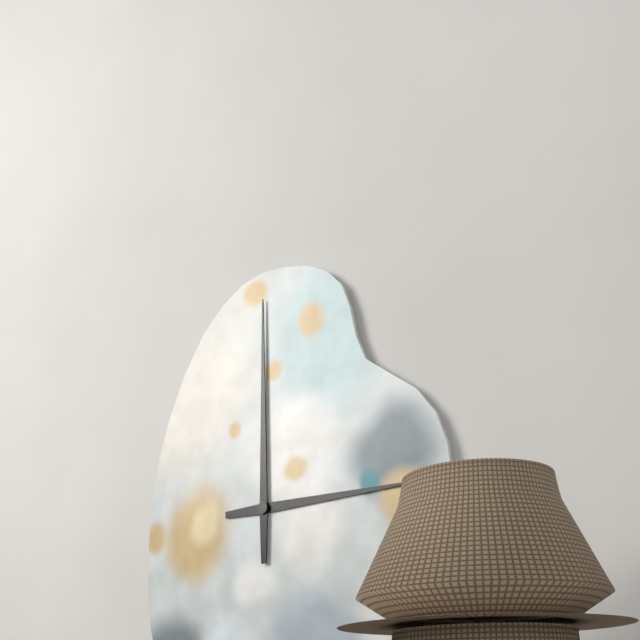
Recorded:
3 h 00 min
